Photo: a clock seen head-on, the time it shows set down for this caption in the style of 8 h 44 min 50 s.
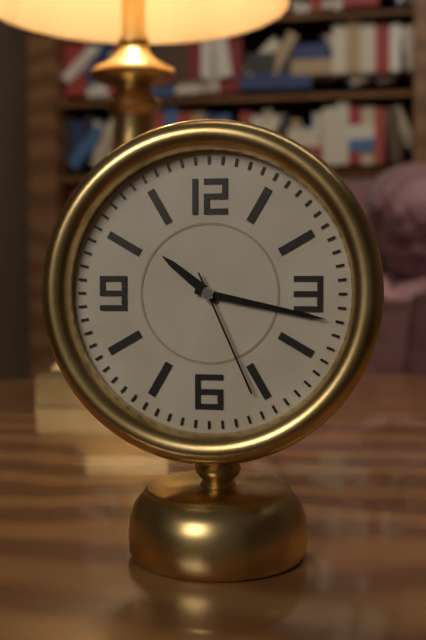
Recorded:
10 h 17 min 26 s
